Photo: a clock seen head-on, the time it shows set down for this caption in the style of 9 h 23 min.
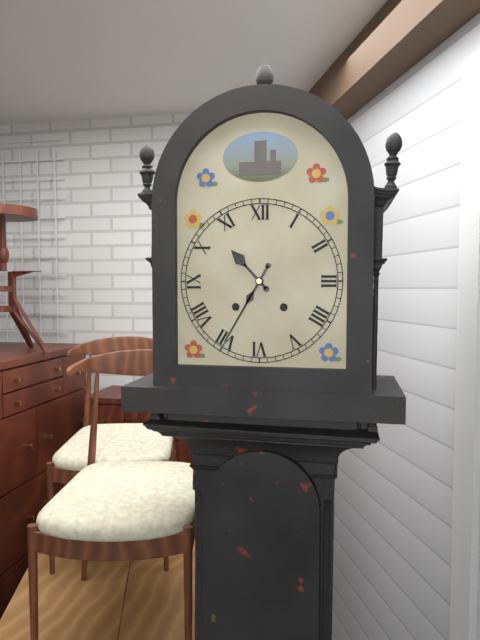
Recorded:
10 h 35 min
